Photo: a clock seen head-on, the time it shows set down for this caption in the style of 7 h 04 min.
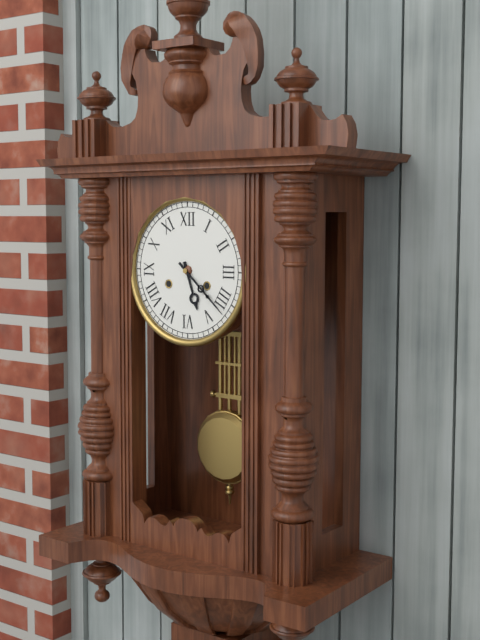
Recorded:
5 h 22 min
